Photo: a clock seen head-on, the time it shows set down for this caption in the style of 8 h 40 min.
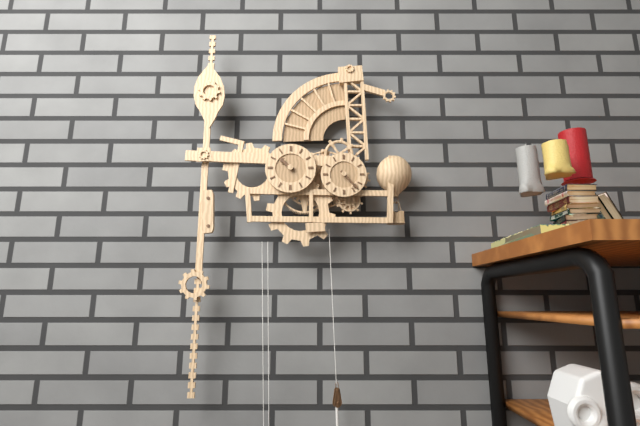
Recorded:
10 h 23 min
